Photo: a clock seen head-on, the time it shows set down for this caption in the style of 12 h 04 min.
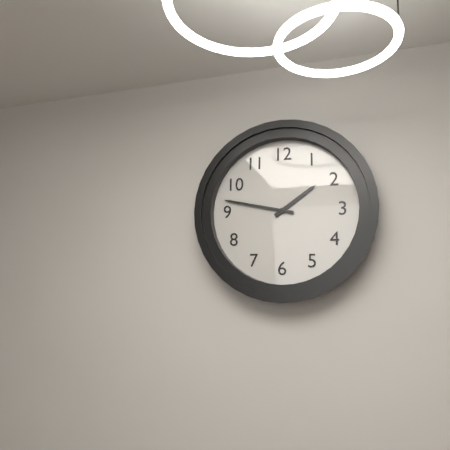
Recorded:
1 h 47 min
